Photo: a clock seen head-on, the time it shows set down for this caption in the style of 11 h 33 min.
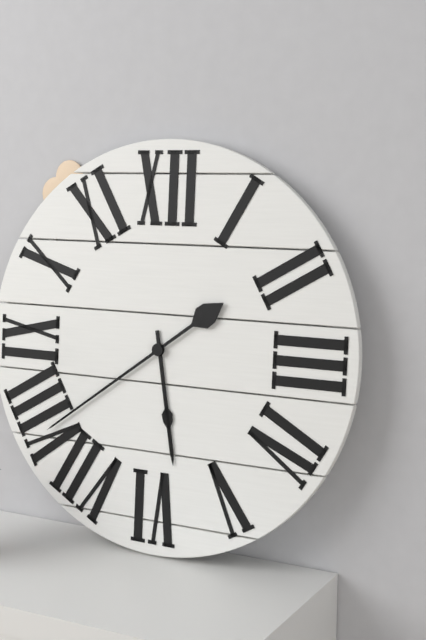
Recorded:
5 h 39 min
